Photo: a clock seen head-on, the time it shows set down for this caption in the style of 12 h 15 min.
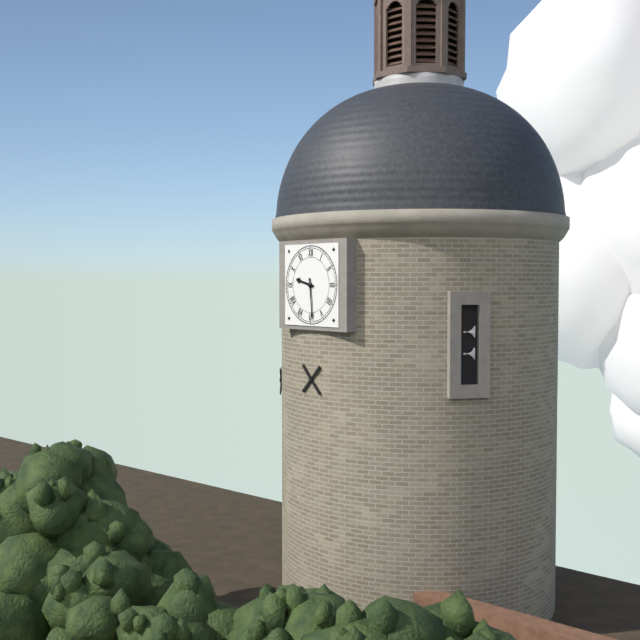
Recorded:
9 h 29 min
